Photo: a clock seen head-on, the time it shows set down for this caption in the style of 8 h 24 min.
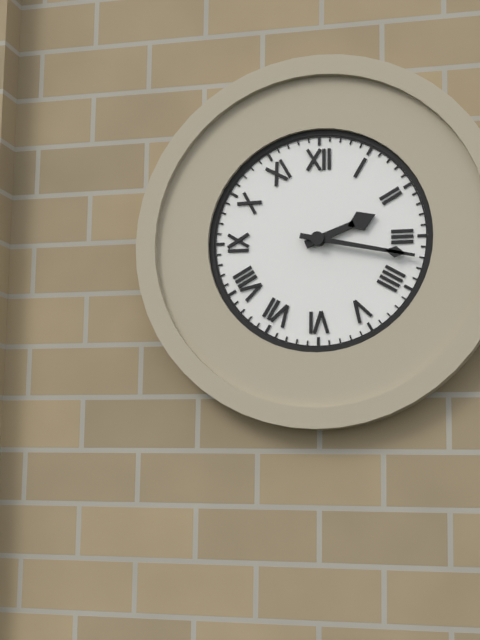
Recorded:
2 h 17 min
